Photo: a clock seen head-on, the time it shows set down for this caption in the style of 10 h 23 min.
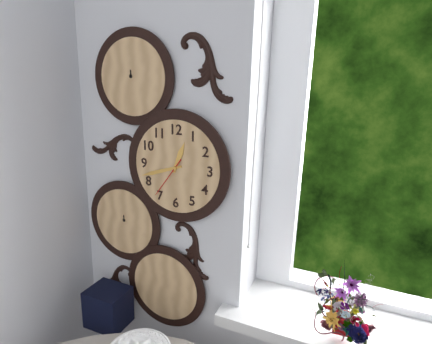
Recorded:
12 h 42 min
